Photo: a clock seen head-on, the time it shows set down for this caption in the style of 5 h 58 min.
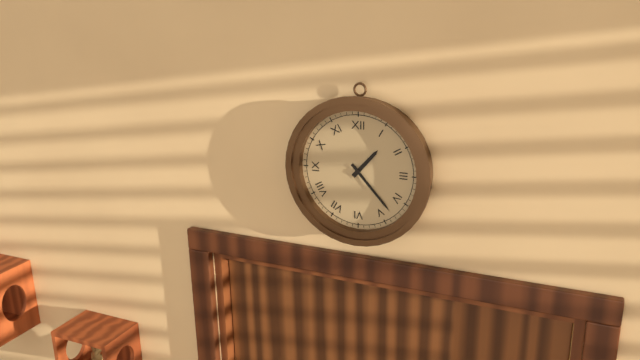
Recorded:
1 h 23 min
